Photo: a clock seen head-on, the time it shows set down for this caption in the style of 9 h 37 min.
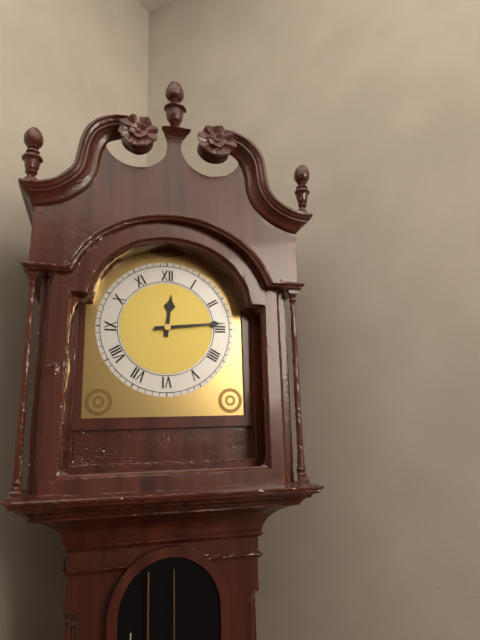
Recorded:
12 h 14 min
